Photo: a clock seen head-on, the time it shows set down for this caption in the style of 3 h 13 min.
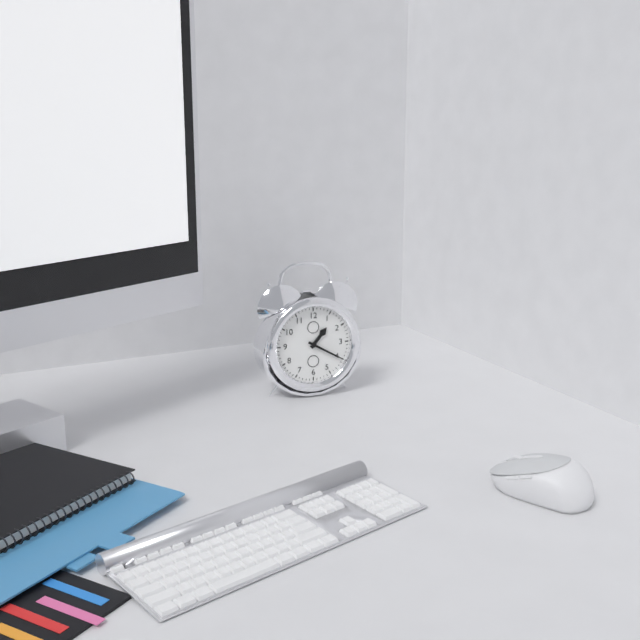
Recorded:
1 h 20 min
